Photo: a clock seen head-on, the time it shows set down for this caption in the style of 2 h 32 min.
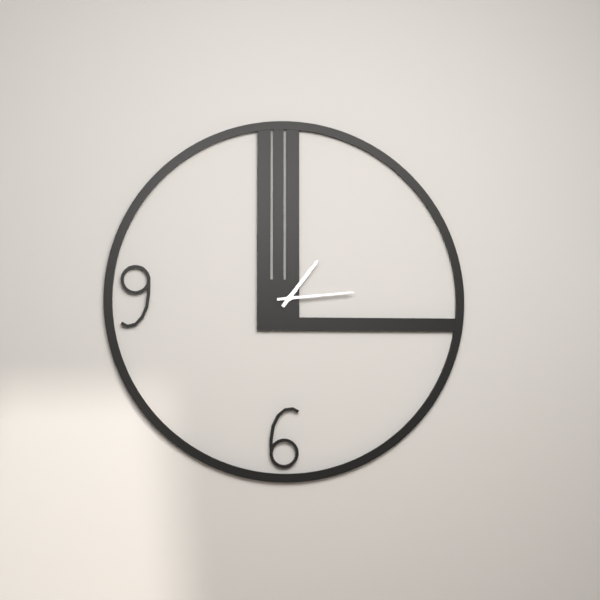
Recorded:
1 h 14 min
